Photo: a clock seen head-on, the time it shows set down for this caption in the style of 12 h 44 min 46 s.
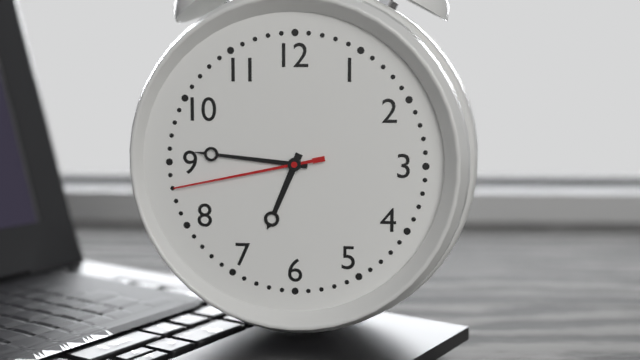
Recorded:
6 h 46 min 43 s
